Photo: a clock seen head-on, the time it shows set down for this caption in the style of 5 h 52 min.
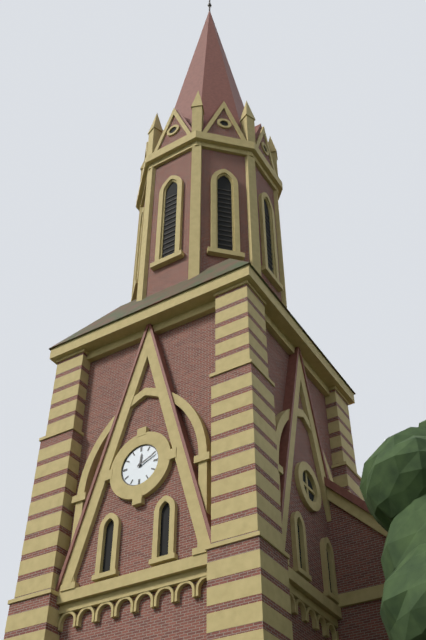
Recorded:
12 h 11 min
